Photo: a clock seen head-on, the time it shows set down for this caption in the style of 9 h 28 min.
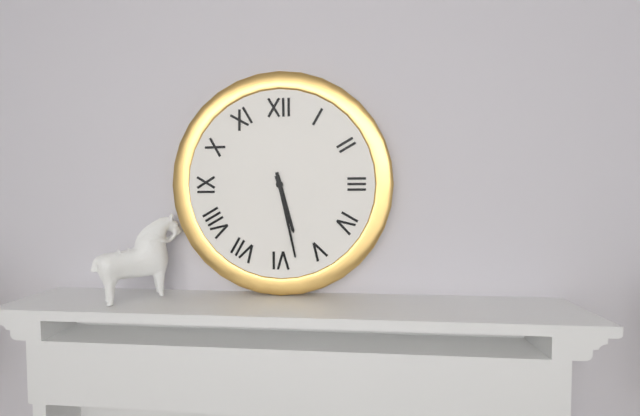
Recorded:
5 h 28 min
